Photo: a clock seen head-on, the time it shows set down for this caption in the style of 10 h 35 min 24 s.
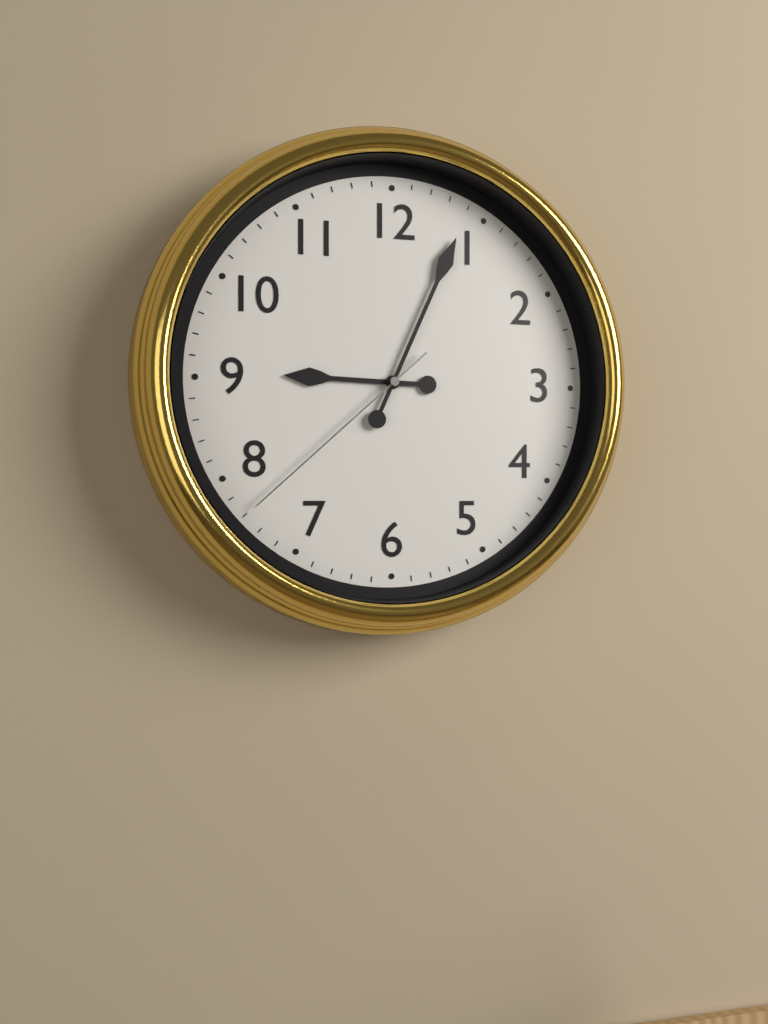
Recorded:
9 h 04 min 38 s
